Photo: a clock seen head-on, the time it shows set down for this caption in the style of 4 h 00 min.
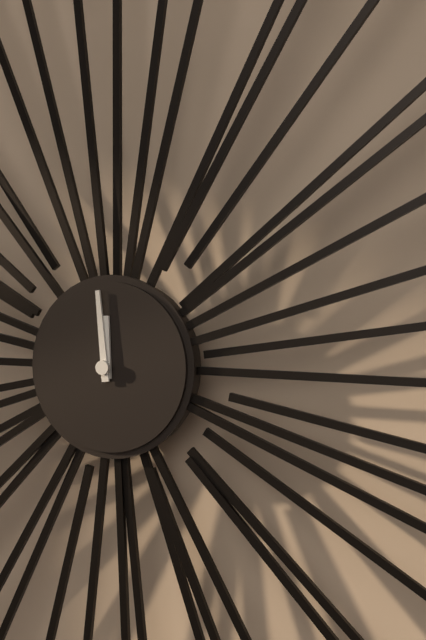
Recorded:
11 h 59 min
